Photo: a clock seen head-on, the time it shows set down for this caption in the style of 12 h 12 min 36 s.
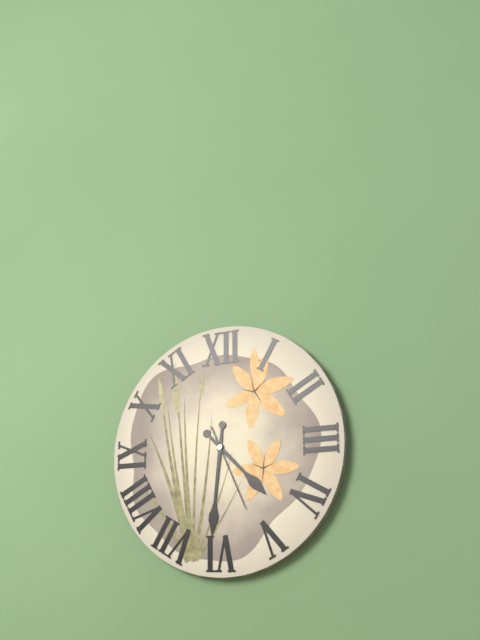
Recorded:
4 h 31 min 26 s
